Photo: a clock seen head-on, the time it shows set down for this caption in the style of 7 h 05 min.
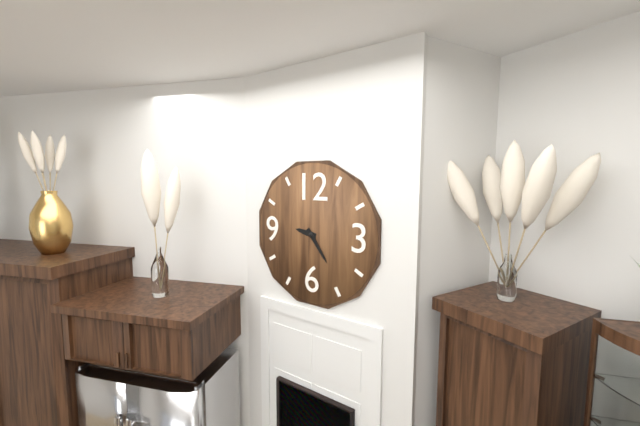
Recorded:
9 h 24 min
